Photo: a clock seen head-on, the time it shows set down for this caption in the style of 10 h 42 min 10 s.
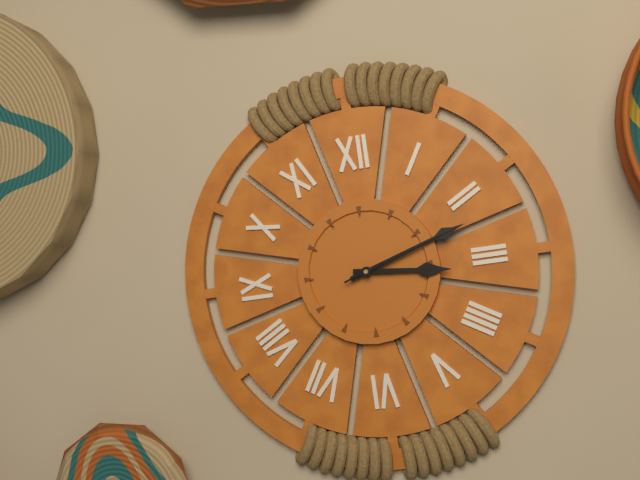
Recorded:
3 h 12 min 12 s
